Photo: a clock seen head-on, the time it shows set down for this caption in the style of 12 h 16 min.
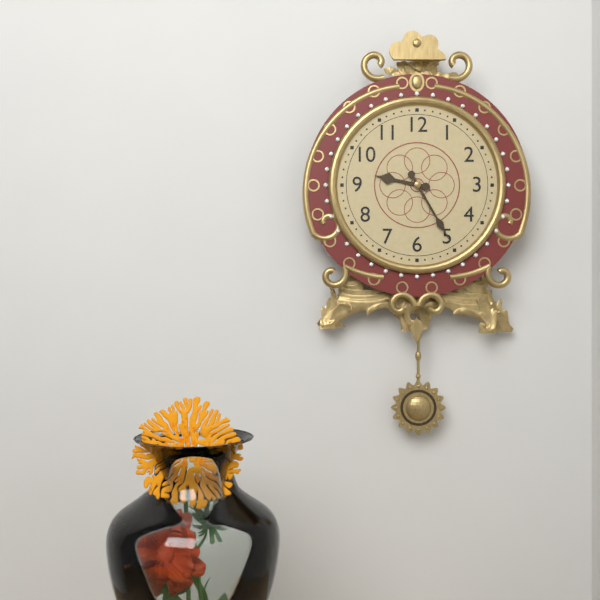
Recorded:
9 h 25 min
